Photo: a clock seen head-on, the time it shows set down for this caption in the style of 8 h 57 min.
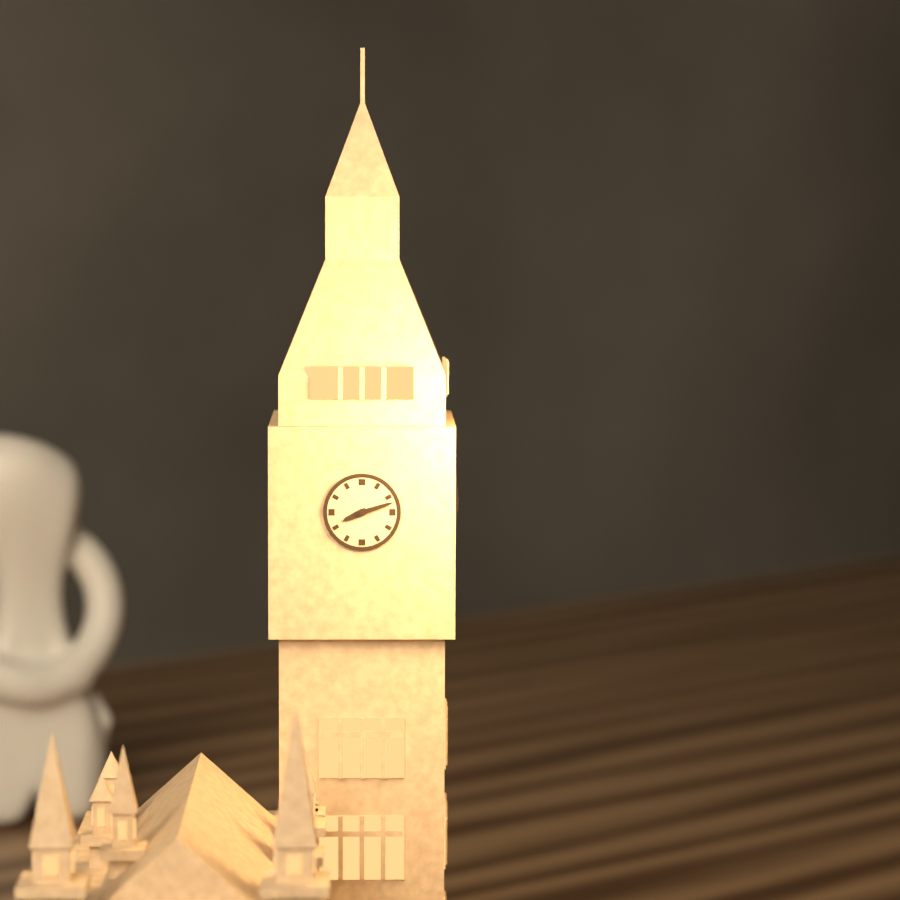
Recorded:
8 h 12 min
